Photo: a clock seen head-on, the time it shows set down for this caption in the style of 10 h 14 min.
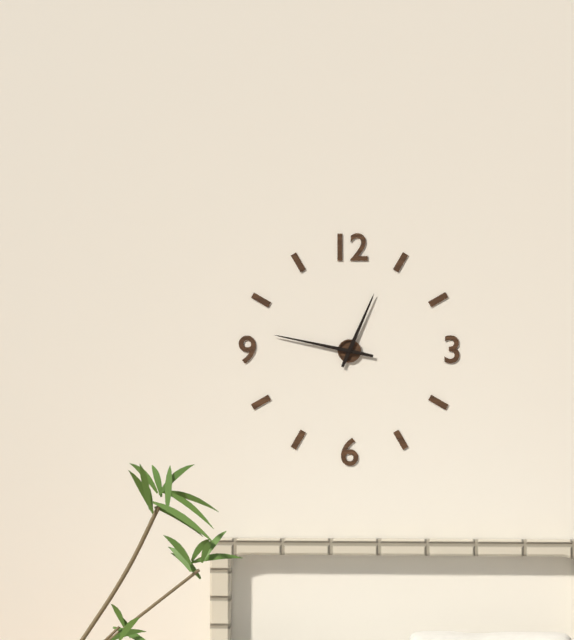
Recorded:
12 h 47 min
